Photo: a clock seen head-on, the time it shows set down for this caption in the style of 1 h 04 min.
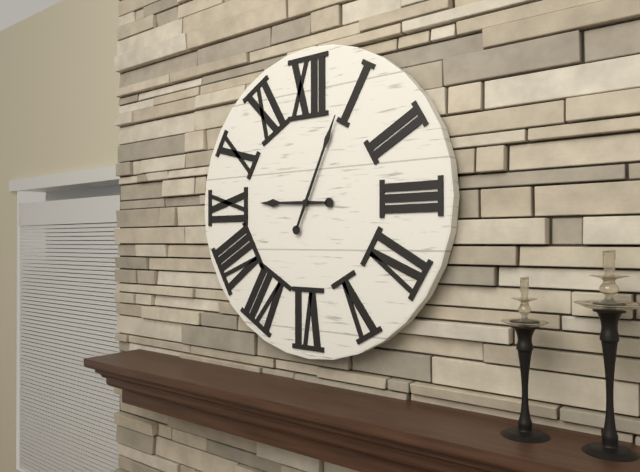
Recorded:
9 h 04 min
